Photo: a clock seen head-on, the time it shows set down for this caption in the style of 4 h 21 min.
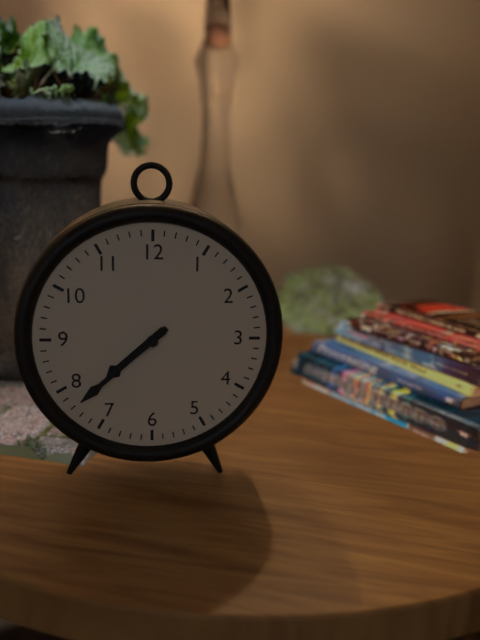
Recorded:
7 h 38 min
